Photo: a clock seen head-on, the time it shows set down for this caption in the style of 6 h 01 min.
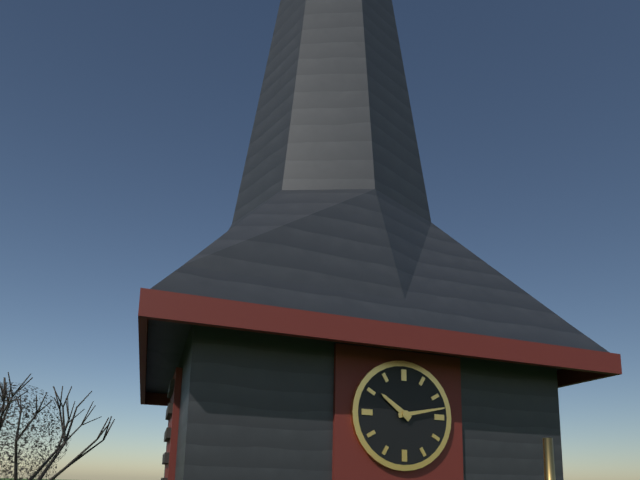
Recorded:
10 h 13 min
